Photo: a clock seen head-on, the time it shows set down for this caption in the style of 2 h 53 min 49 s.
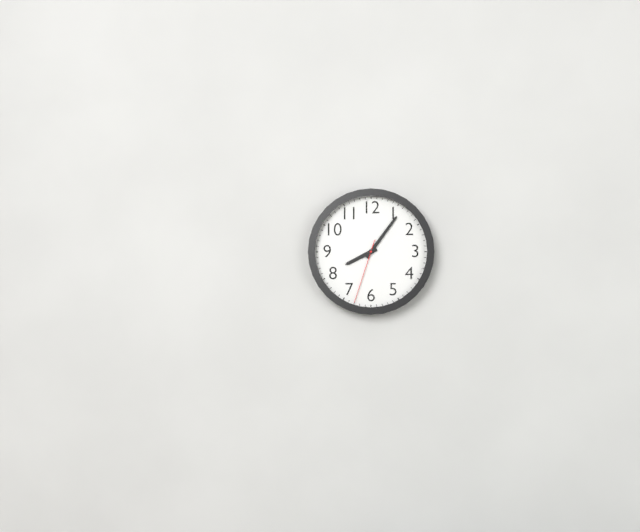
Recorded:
8 h 06 min 33 s
